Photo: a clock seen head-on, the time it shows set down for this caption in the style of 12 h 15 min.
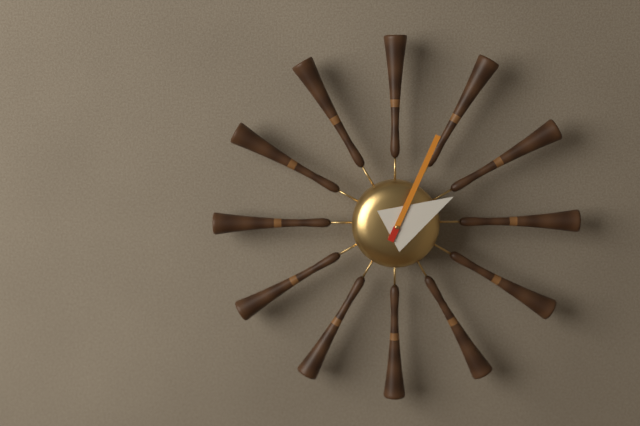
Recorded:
2 h 04 min
